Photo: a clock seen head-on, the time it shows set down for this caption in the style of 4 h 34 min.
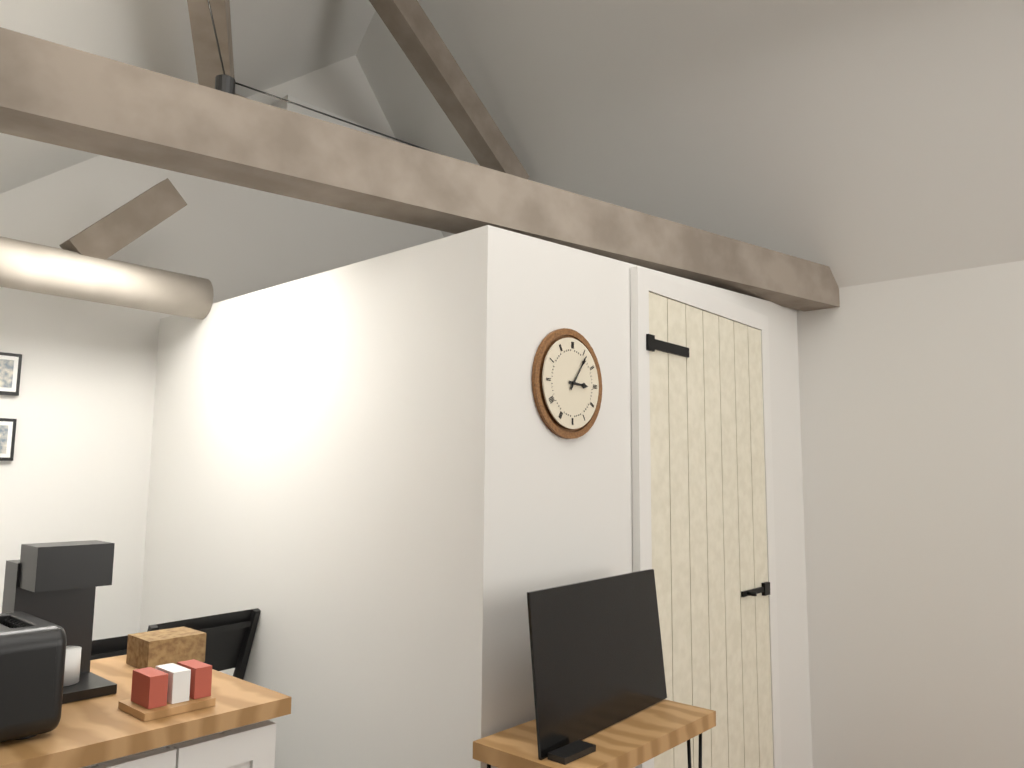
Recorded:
3 h 06 min
